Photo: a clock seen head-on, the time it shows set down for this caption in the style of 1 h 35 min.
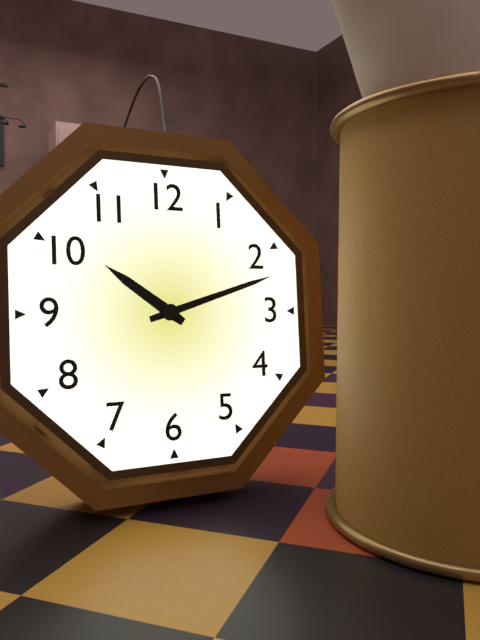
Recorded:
10 h 12 min
